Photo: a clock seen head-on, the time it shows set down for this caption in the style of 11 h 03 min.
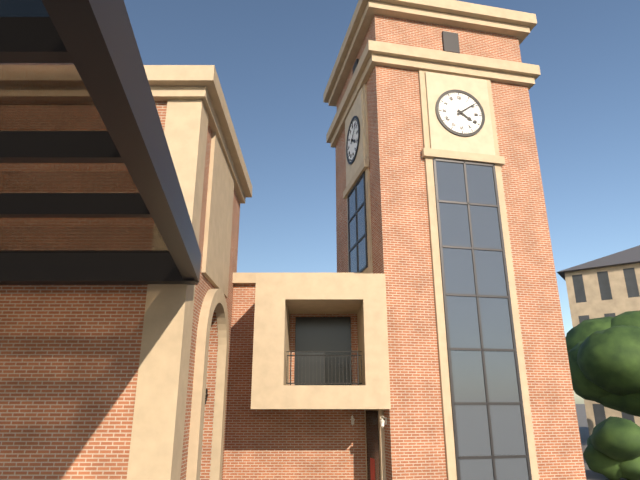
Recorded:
4 h 09 min
